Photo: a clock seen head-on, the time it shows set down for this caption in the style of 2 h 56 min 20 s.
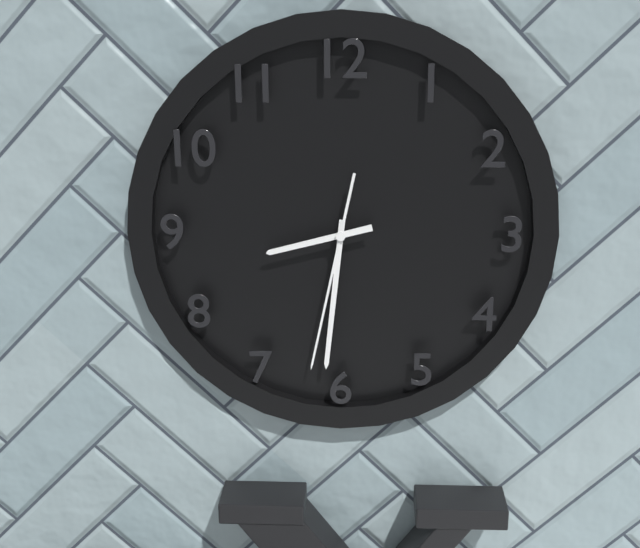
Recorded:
8 h 31 min 32 s
